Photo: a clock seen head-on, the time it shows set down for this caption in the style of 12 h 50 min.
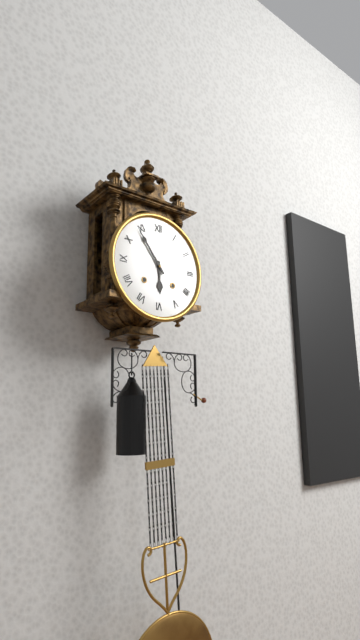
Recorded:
5 h 54 min
